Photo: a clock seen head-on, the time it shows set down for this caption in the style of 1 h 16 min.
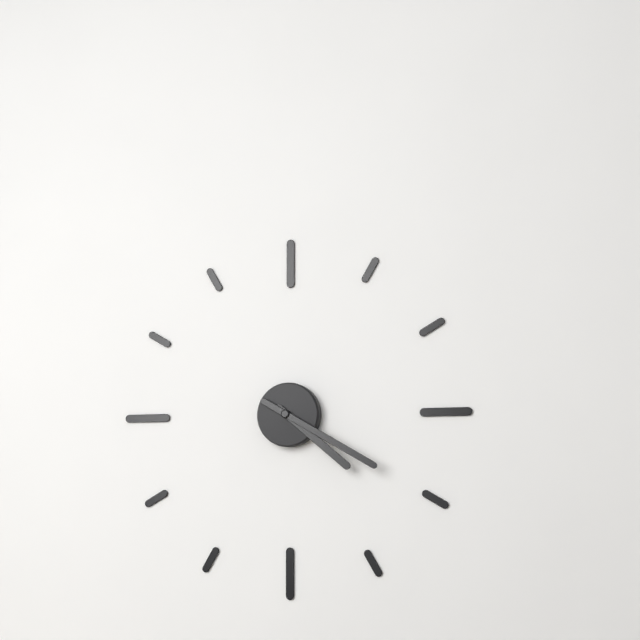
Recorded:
4 h 20 min
